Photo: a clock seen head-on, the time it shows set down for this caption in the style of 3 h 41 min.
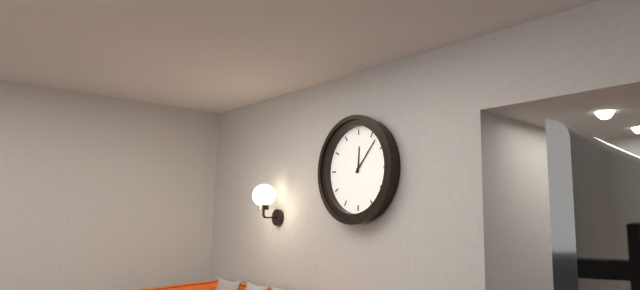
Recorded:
12 h 07 min
